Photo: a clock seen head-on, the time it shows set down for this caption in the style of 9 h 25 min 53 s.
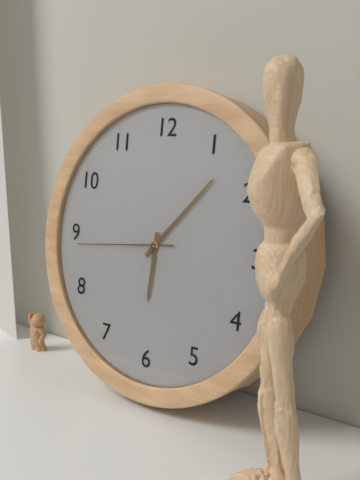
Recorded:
6 h 07 min 44 s
